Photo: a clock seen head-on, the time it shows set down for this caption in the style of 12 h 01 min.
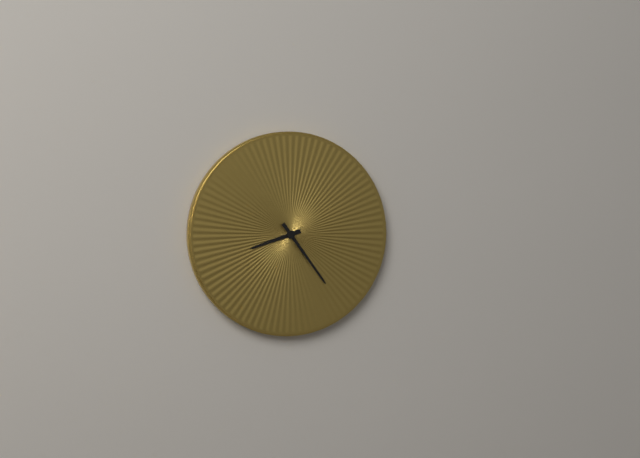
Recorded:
8 h 24 min
